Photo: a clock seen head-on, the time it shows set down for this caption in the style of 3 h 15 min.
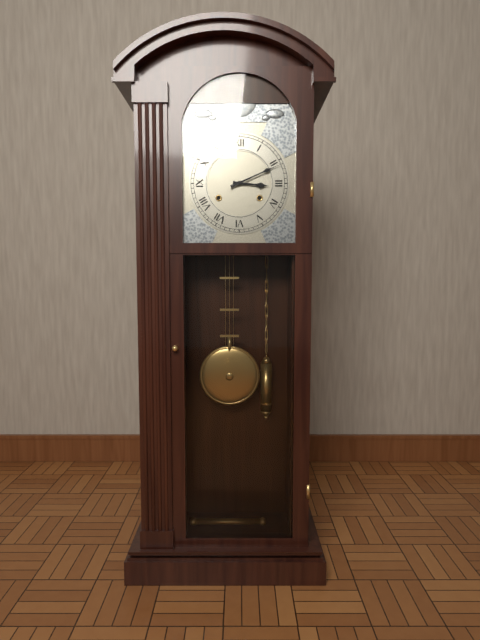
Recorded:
3 h 11 min
